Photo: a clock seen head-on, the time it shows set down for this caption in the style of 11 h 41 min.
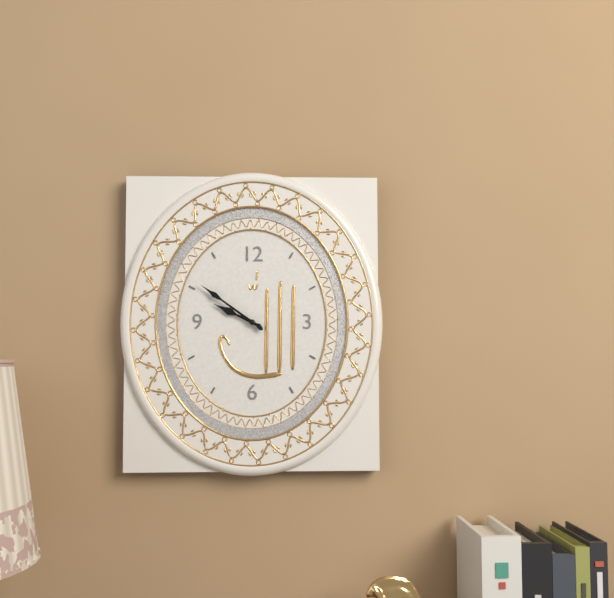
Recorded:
9 h 51 min
